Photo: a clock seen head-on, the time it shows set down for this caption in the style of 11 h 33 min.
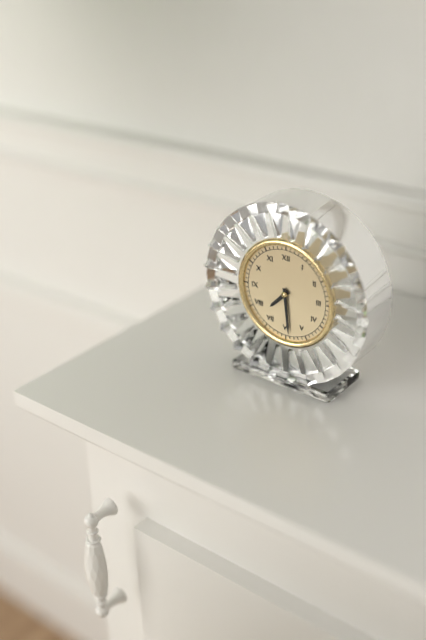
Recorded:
7 h 29 min
